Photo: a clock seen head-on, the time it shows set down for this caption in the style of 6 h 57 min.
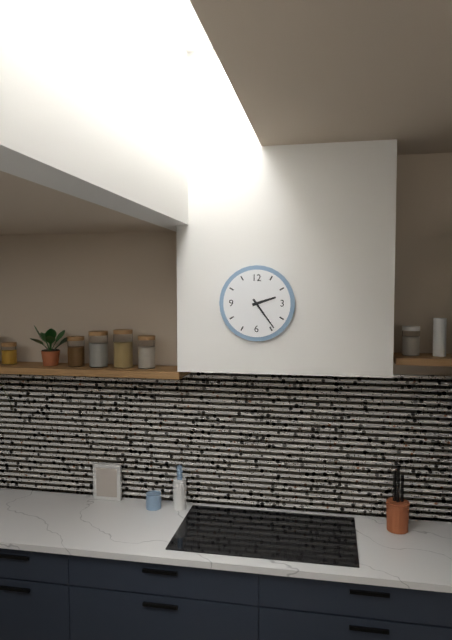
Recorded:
2 h 24 min
